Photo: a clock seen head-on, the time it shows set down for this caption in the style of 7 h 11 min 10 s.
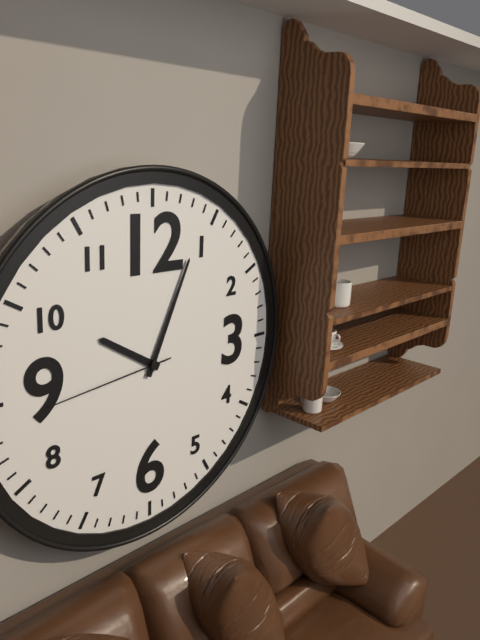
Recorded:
10 h 04 min 44 s
